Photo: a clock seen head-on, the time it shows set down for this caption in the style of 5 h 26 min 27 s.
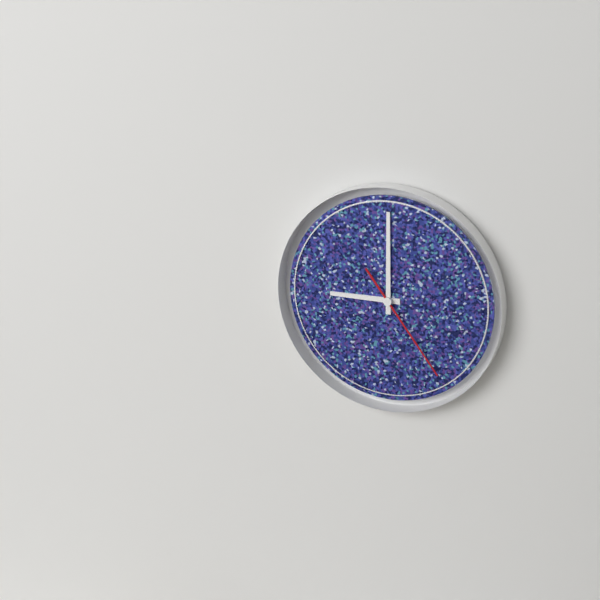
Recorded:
9 h 00 min 24 s
